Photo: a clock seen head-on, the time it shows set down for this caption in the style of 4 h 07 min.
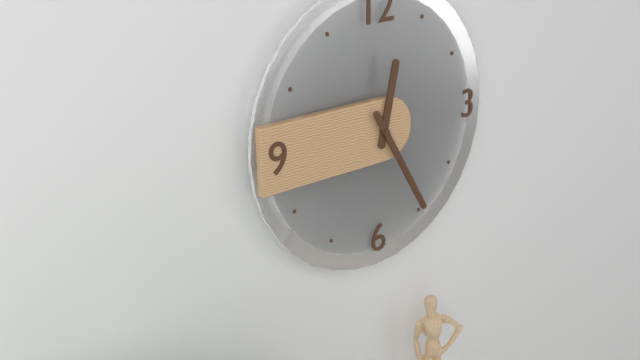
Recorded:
12 h 25 min
